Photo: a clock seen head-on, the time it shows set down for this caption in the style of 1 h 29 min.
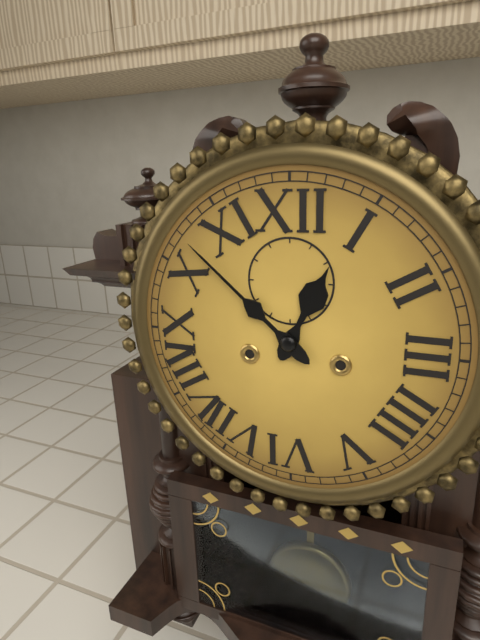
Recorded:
12 h 52 min
